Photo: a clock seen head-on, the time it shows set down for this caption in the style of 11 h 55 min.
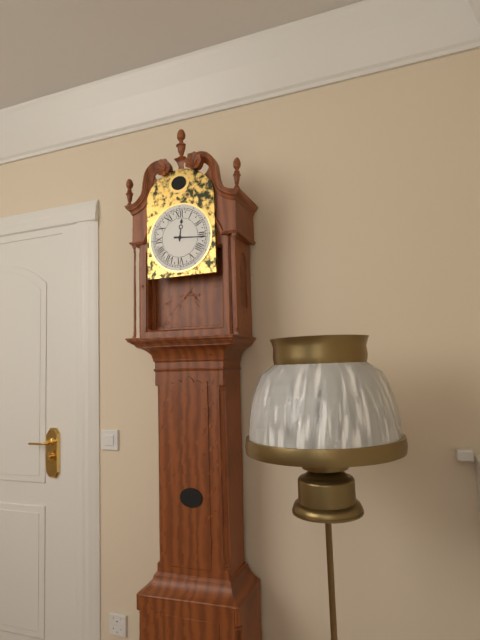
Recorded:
12 h 16 min
